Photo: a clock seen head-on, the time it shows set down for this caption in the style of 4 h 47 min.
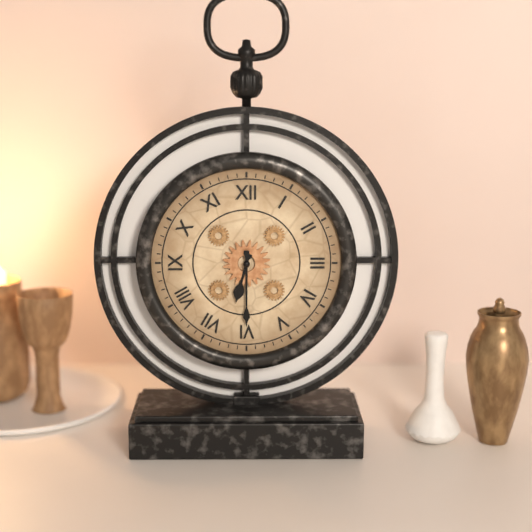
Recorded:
6 h 30 min
